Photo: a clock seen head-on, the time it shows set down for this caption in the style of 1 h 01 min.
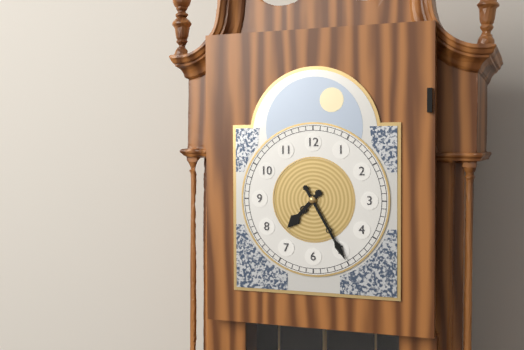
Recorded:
7 h 25 min
